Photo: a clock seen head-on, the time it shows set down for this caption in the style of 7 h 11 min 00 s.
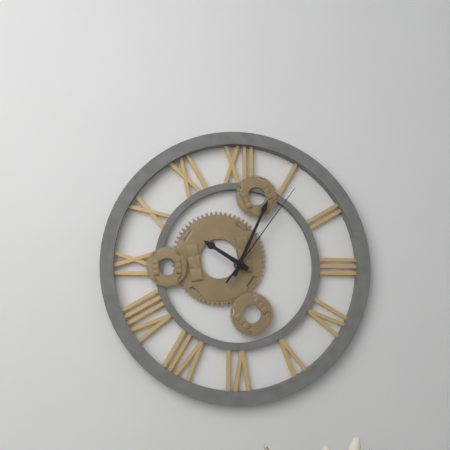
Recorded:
10 h 04 min 06 s
